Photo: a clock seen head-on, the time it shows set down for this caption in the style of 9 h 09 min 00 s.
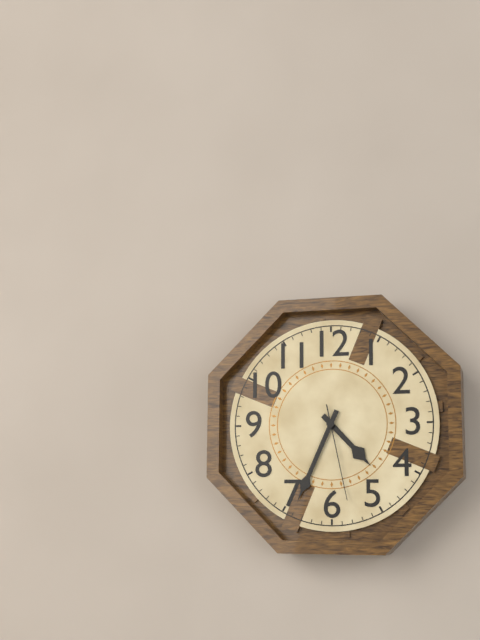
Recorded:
4 h 34 min 28 s
